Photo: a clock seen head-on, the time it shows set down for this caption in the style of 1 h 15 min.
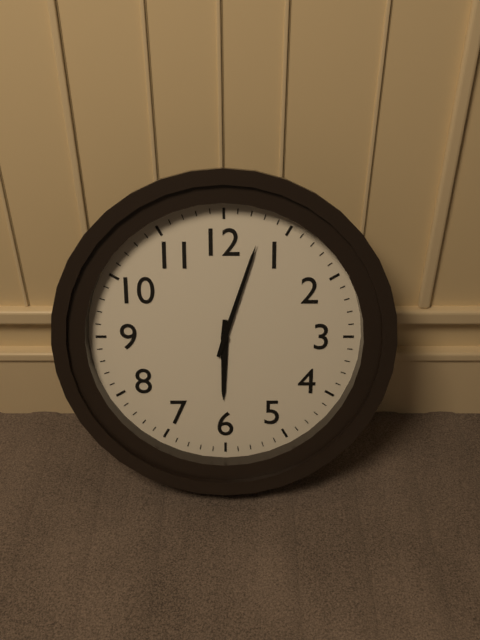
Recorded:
6 h 03 min
